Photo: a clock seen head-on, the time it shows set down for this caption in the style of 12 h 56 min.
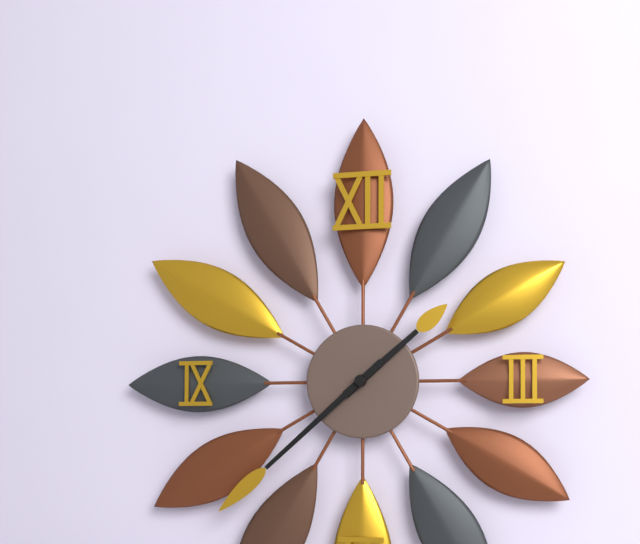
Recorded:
1 h 38 min
